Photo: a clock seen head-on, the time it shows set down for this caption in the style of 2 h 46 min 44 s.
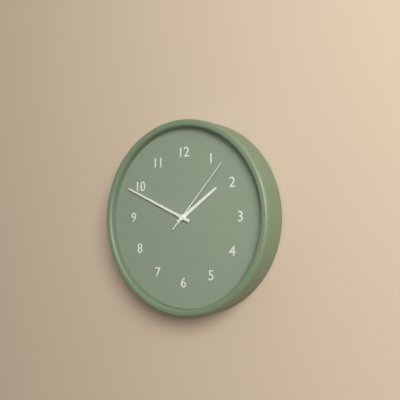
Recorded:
1 h 49 min 07 s
